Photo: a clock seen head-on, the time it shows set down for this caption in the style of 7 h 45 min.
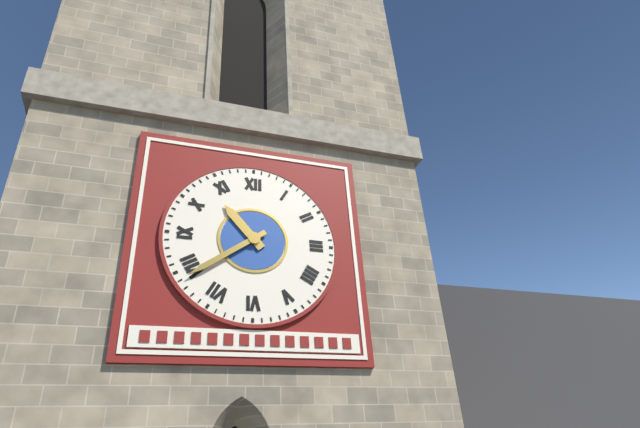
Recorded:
10 h 39 min
